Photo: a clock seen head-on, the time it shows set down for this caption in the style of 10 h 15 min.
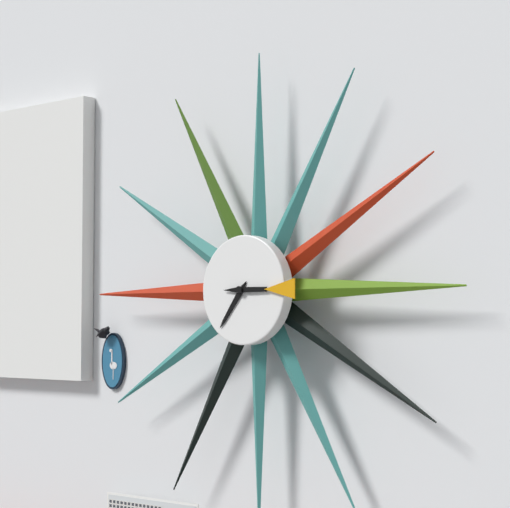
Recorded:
7 h 15 min
